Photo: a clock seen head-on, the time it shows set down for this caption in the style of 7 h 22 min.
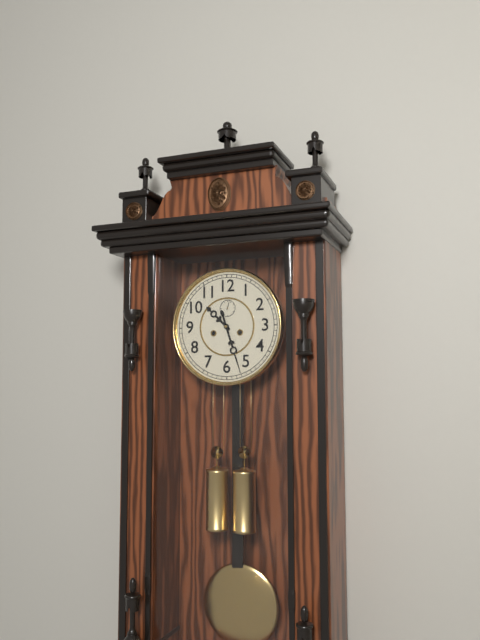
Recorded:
10 h 27 min
